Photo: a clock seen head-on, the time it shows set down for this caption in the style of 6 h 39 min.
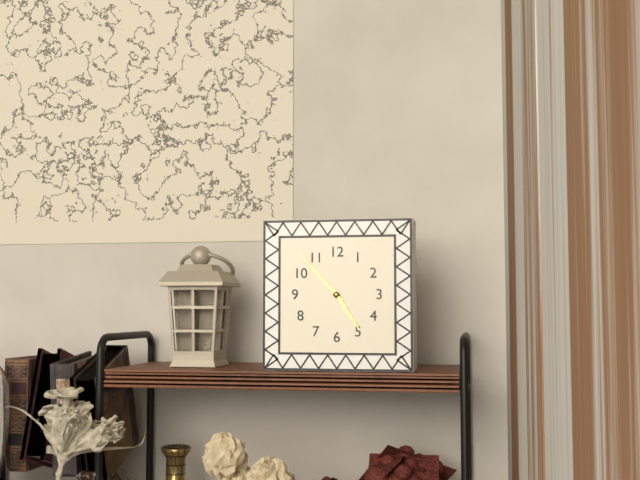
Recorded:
4 h 53 min
